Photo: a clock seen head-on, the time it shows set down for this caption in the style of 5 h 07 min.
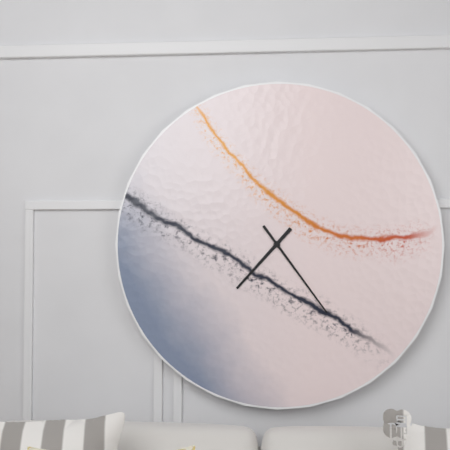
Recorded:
7 h 24 min
